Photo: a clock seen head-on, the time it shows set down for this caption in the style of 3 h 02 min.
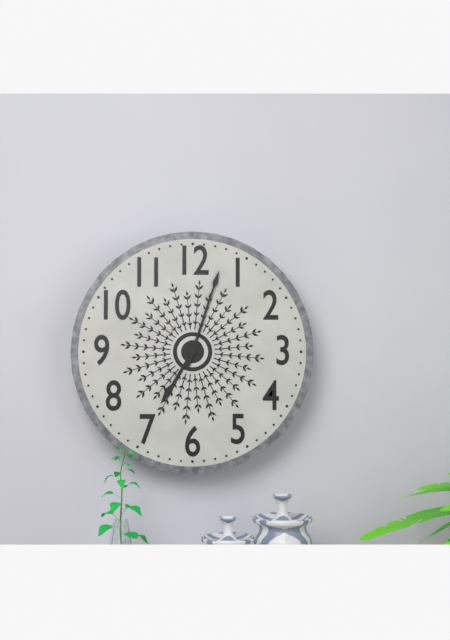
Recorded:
7 h 03 min
